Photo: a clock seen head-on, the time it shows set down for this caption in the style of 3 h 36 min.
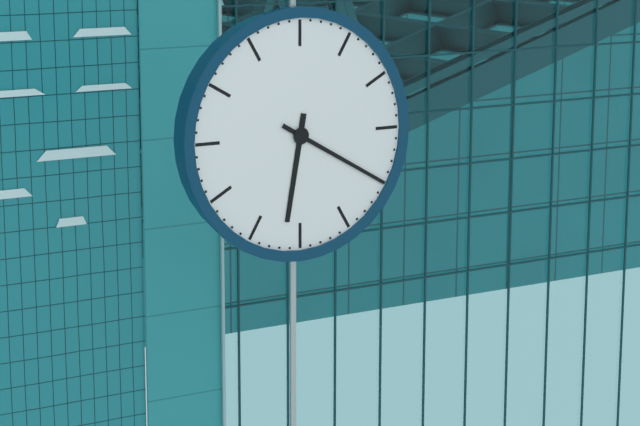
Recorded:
6 h 20 min
